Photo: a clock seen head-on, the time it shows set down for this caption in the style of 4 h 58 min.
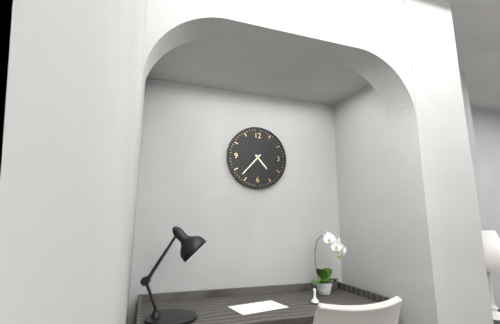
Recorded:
4 h 37 min
